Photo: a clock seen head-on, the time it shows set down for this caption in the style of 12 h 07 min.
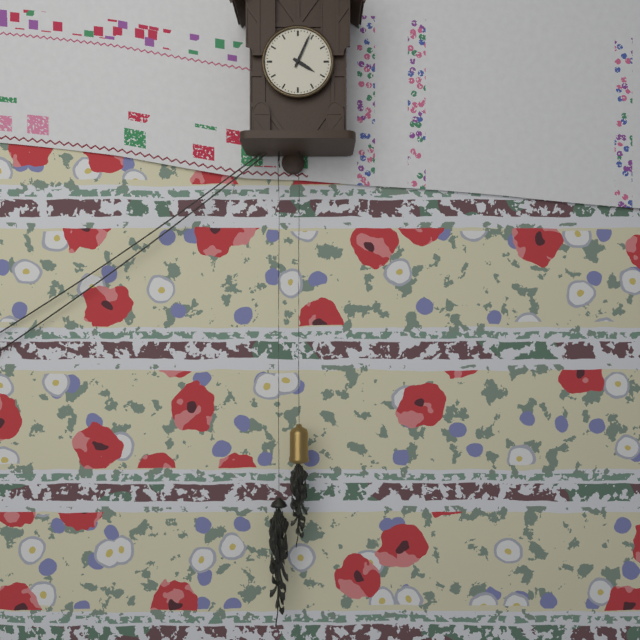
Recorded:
4 h 04 min
